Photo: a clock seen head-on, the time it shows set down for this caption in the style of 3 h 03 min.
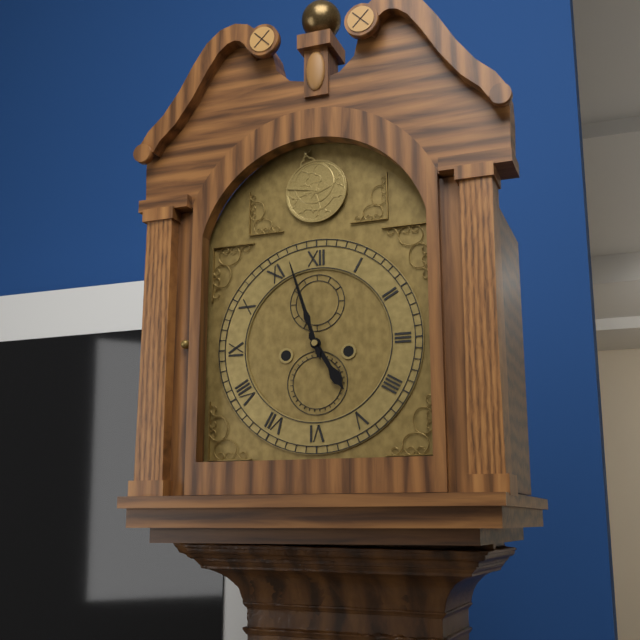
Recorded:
4 h 57 min
